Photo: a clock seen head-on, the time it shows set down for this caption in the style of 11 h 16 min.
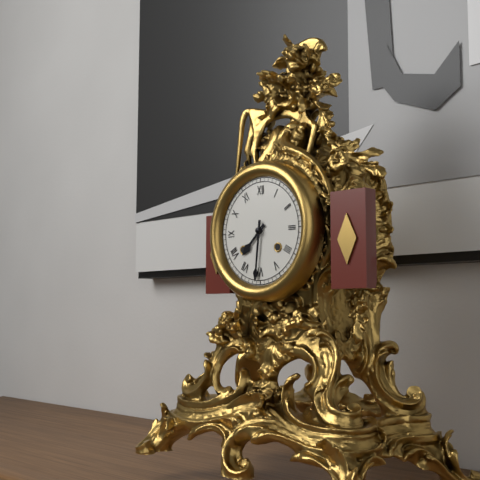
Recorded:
7 h 31 min
